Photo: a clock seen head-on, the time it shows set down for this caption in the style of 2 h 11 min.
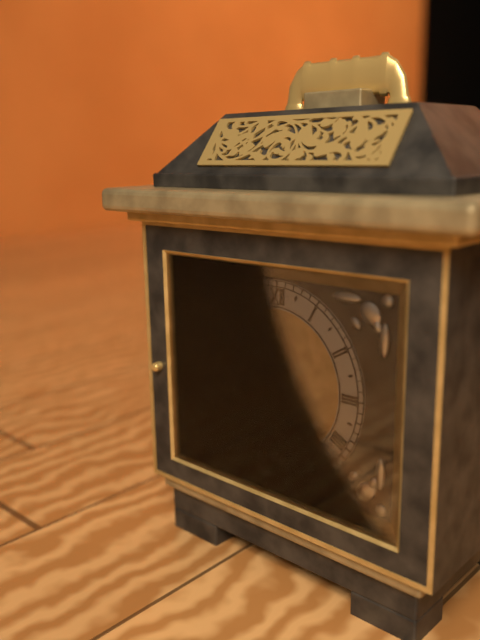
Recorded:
5 h 58 min
